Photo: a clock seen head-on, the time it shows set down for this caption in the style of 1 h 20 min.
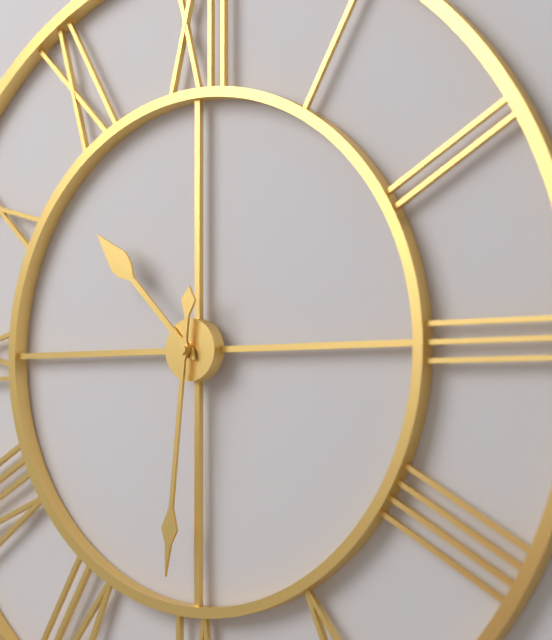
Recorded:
10 h 31 min
